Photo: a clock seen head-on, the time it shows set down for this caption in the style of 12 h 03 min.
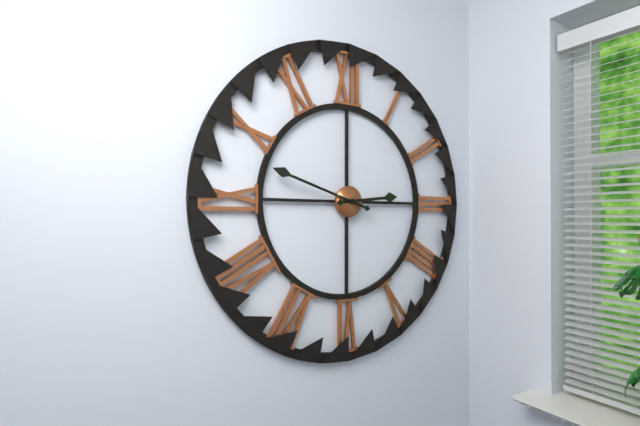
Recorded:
2 h 48 min
